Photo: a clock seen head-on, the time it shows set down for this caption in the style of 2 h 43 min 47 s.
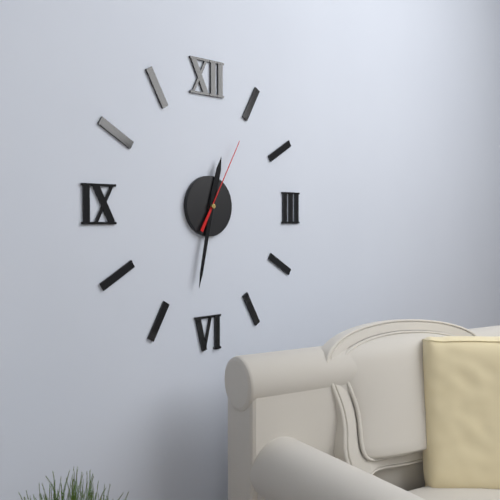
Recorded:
12 h 32 min 05 s
